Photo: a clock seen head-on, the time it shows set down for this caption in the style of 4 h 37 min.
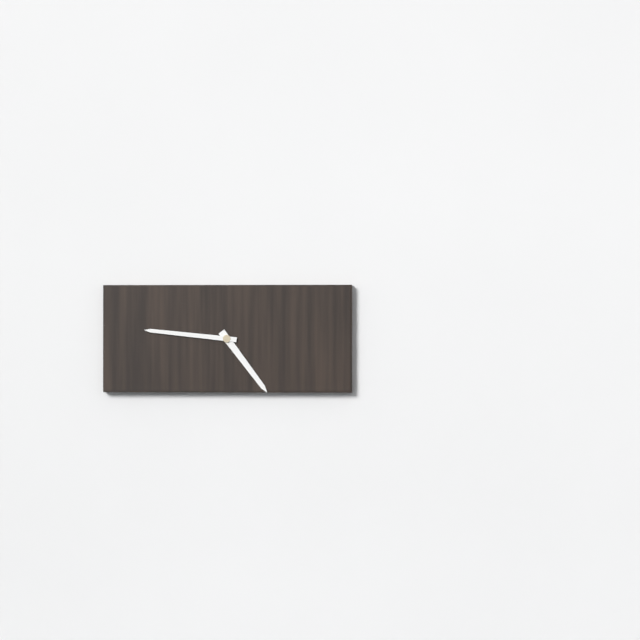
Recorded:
4 h 46 min
